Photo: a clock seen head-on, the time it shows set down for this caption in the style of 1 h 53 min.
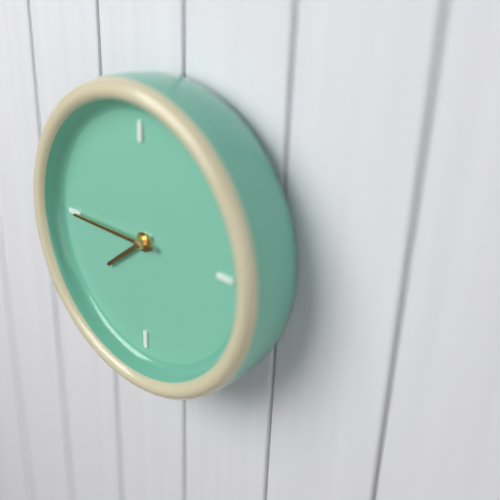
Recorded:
7 h 45 min
